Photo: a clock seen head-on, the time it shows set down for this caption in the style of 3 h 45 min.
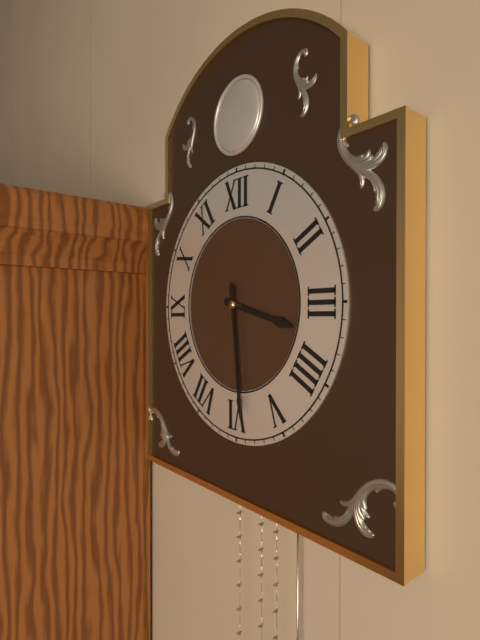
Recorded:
3 h 29 min
